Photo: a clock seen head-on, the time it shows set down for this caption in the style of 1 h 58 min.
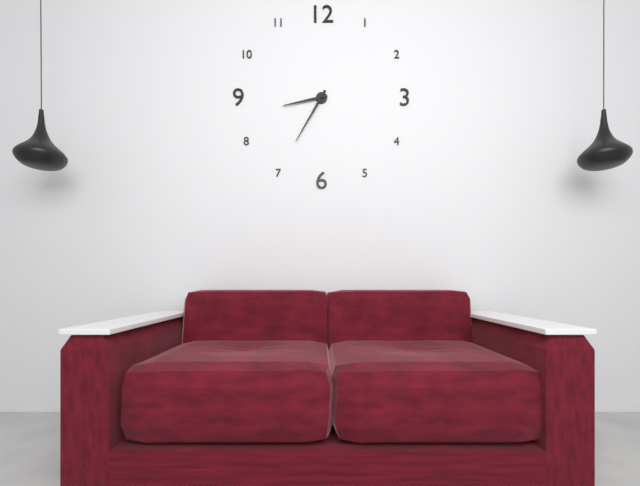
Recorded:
8 h 35 min
